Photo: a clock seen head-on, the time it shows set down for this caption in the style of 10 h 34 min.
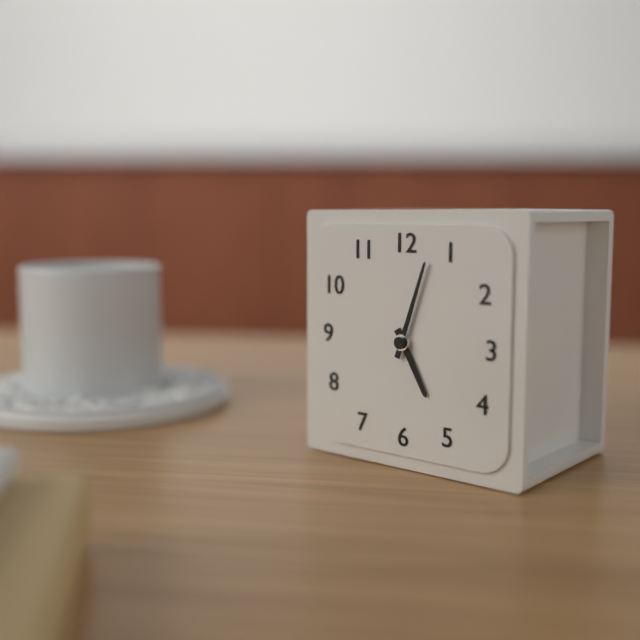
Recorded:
5 h 03 min
